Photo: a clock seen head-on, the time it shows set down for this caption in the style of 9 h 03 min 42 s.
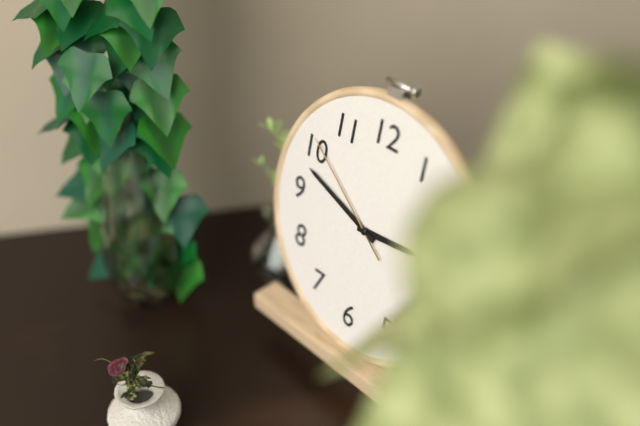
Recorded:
2 h 48 min 51 s
